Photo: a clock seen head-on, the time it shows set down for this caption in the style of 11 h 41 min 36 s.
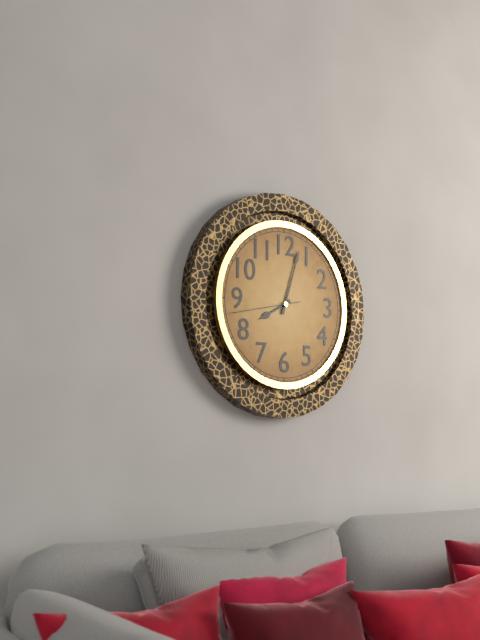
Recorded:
8 h 03 min 43 s
